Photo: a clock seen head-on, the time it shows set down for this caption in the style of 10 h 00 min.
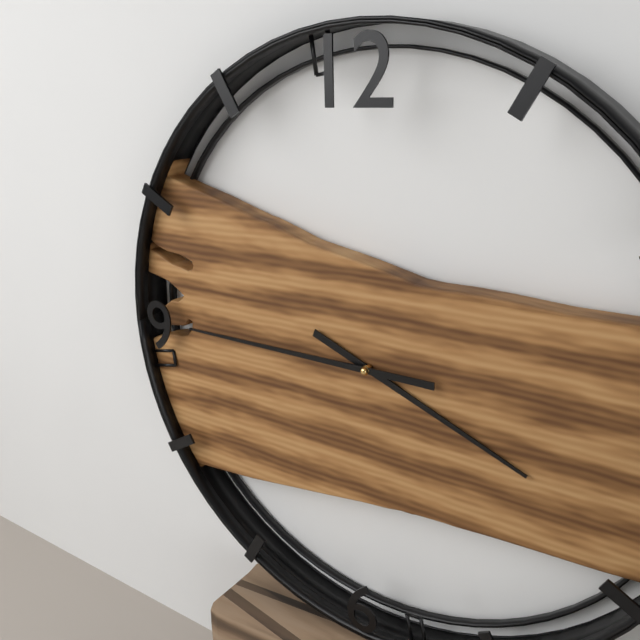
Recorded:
3 h 45 min
